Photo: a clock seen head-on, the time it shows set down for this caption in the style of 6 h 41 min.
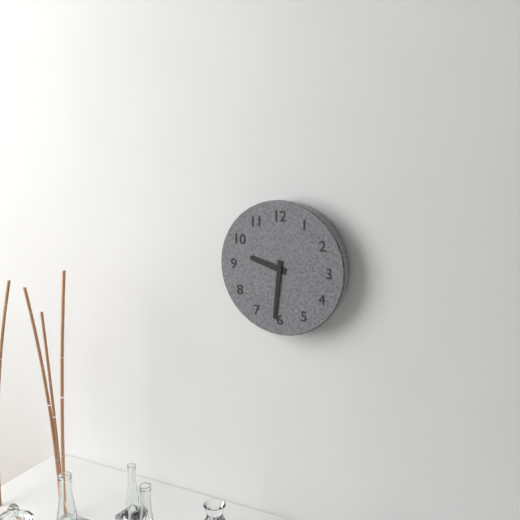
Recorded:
9 h 31 min
